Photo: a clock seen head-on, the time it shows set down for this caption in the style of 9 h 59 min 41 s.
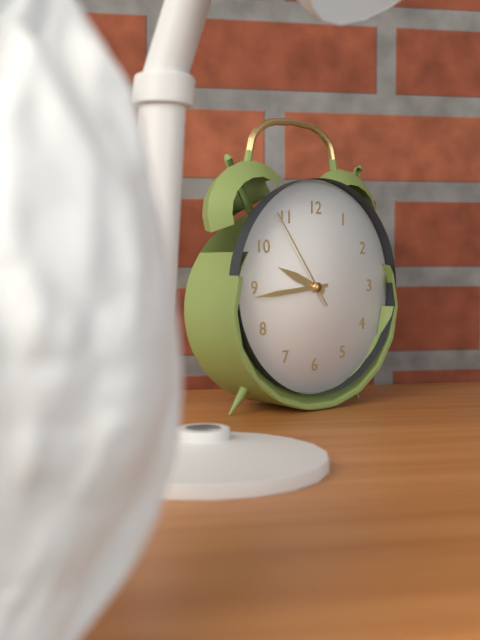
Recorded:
9 h 44 min 54 s
